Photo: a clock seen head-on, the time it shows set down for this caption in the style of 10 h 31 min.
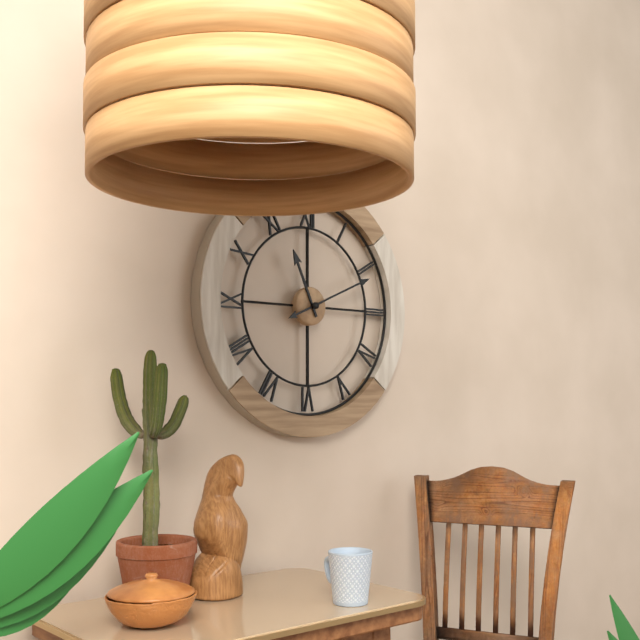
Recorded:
11 h 11 min
